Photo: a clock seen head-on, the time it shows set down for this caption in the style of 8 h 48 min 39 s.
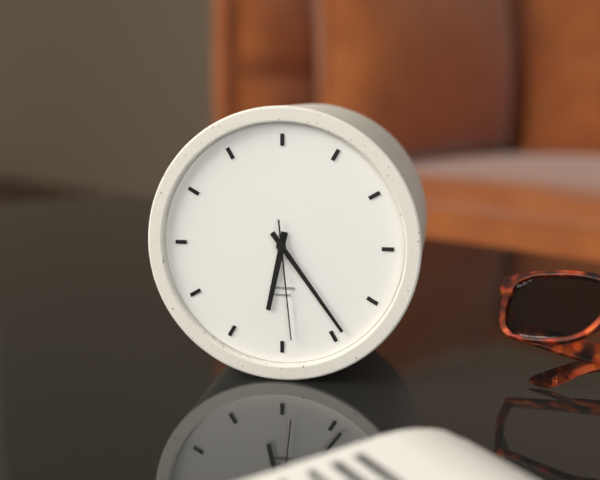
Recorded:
6 h 24 min 29 s
